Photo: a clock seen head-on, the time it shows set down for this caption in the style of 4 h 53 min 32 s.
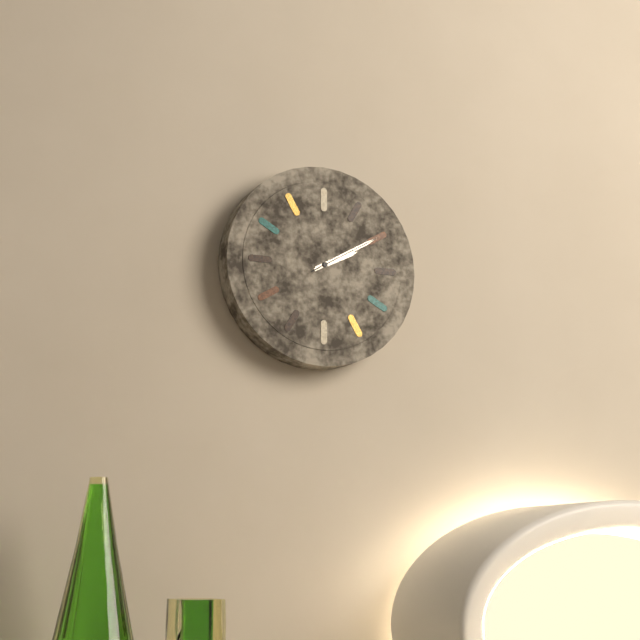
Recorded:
2 h 10 min 10 s
